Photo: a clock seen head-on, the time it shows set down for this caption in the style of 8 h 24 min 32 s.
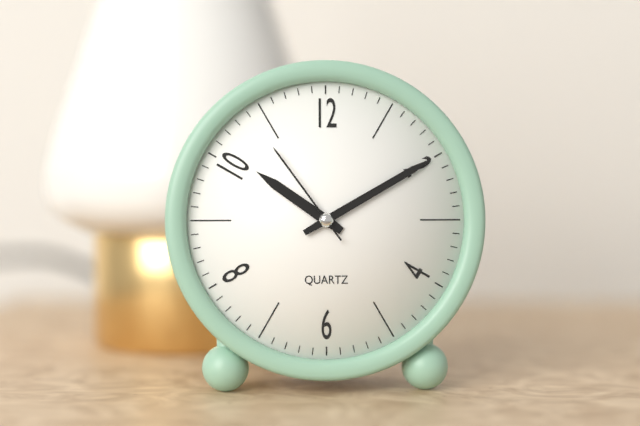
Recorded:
10 h 10 min 54 s
